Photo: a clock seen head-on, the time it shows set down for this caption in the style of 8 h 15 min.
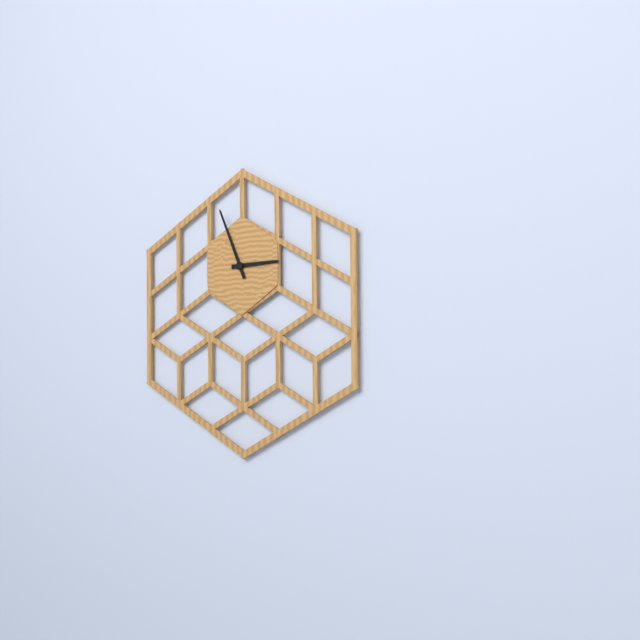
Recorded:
2 h 56 min
